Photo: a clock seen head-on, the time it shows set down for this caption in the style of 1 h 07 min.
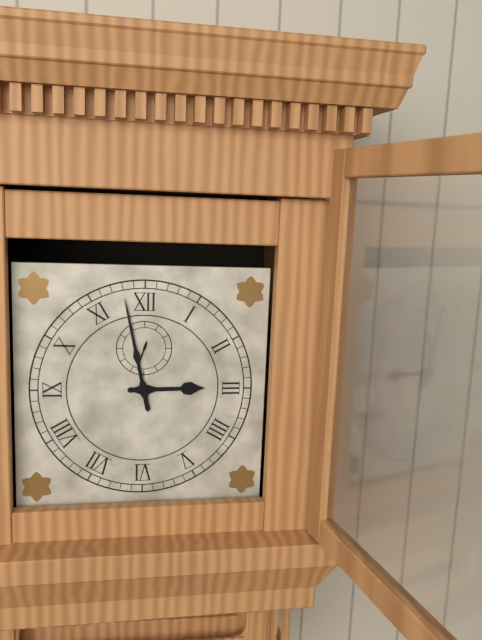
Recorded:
2 h 58 min
